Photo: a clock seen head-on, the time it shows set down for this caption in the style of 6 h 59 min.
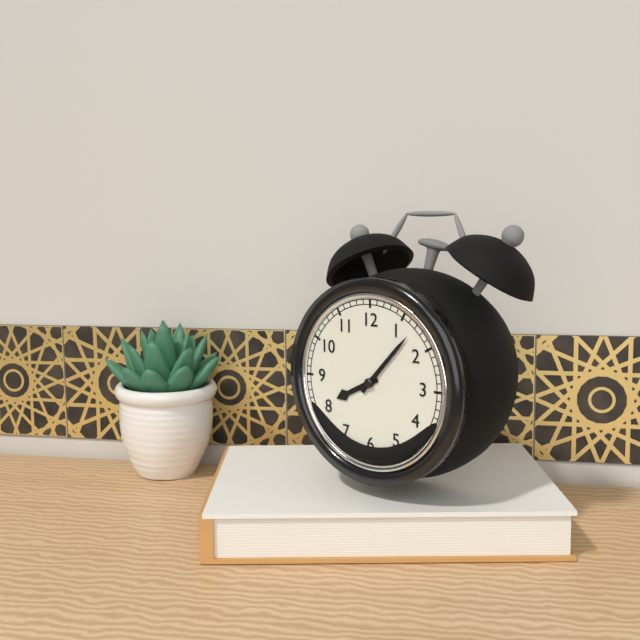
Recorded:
8 h 07 min
